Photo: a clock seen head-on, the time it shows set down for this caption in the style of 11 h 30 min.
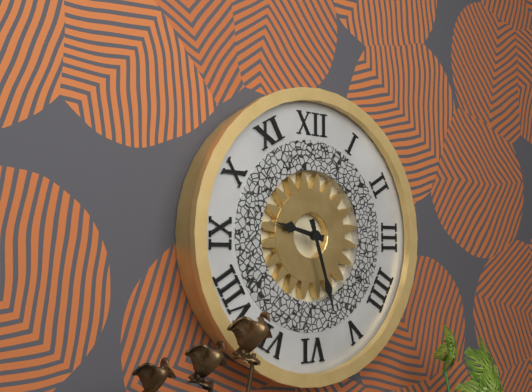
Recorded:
9 h 27 min
